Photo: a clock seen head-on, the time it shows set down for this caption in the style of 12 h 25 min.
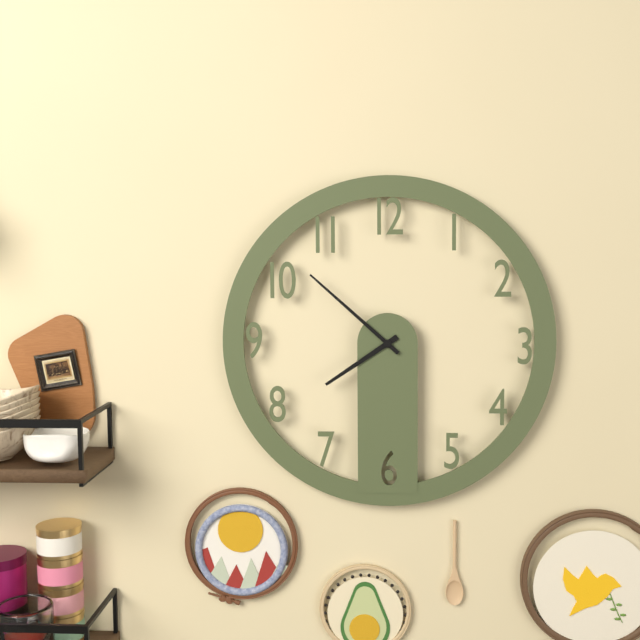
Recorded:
7 h 52 min
